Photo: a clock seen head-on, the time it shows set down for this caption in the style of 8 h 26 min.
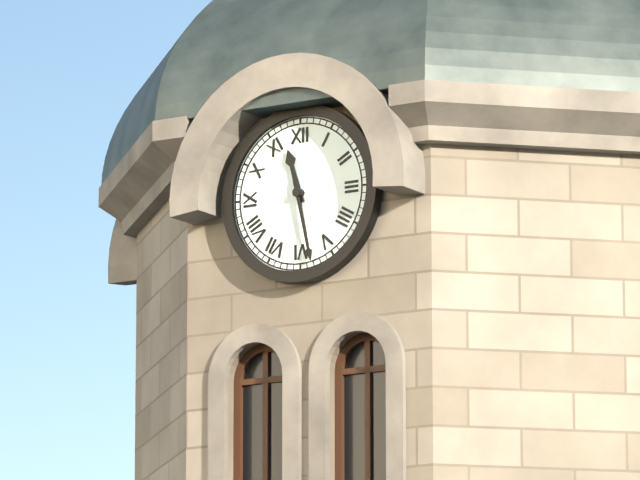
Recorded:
11 h 28 min
